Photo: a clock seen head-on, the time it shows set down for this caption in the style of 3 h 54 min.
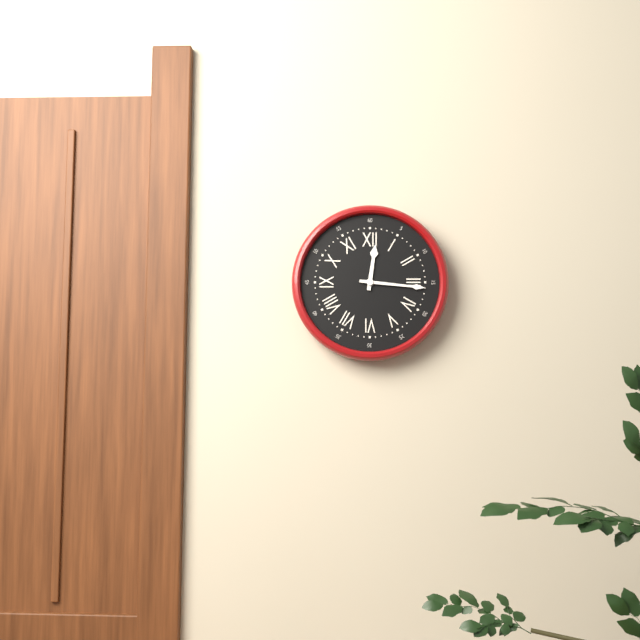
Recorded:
12 h 16 min
